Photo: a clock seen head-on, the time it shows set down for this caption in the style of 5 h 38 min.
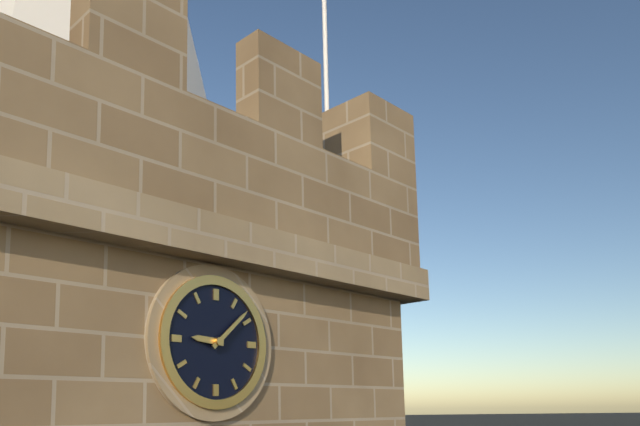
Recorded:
9 h 08 min
